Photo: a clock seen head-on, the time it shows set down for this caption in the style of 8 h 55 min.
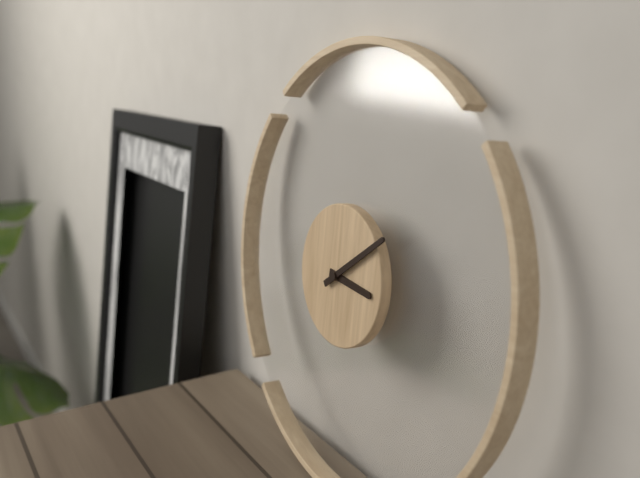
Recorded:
3 h 09 min
